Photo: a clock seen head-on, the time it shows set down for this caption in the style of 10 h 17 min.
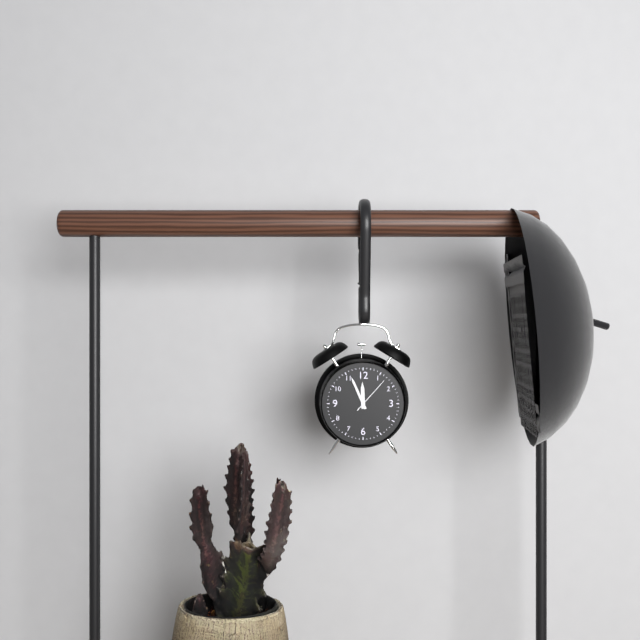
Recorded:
11 h 56 min
